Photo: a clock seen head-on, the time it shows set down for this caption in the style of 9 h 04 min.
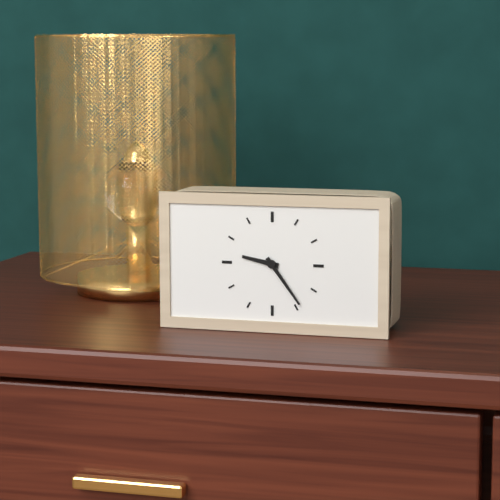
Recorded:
9 h 24 min
